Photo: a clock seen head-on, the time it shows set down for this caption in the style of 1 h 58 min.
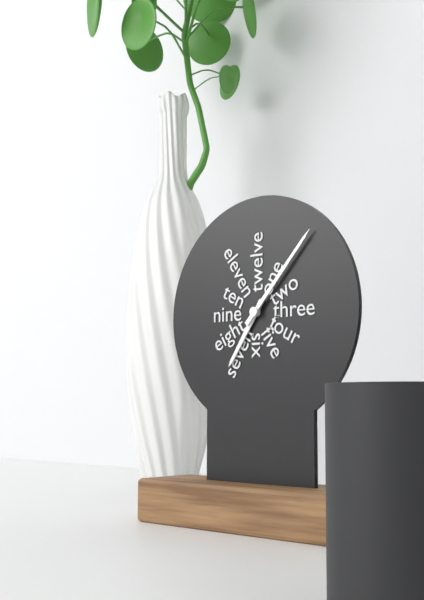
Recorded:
7 h 07 min
